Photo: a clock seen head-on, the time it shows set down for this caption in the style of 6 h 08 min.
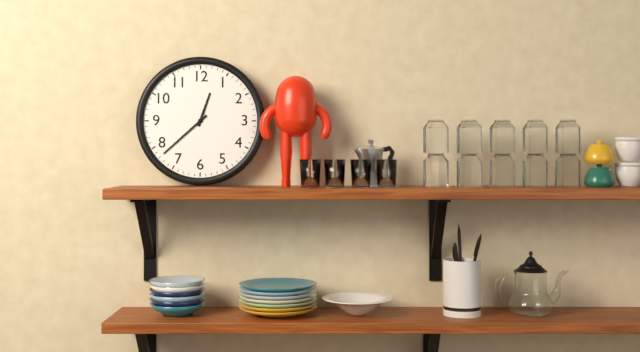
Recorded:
12 h 38 min
